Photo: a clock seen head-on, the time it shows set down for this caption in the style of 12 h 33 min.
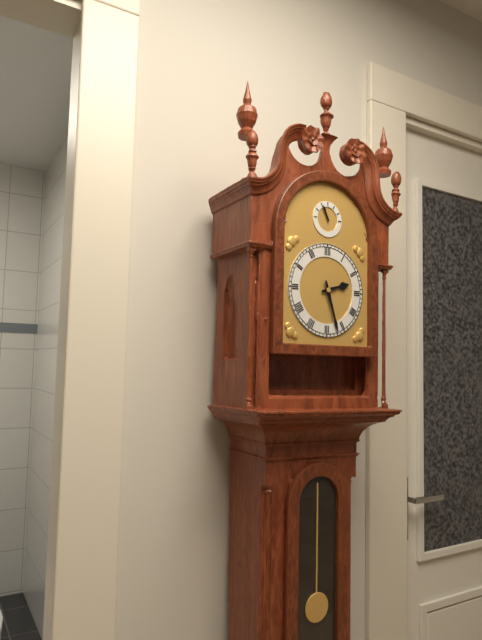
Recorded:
2 h 27 min
